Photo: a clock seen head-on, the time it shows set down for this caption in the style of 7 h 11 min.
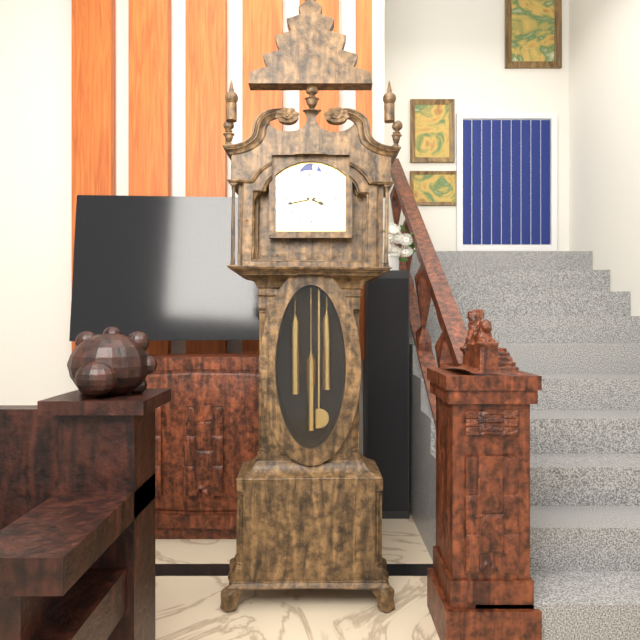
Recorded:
3 h 43 min
